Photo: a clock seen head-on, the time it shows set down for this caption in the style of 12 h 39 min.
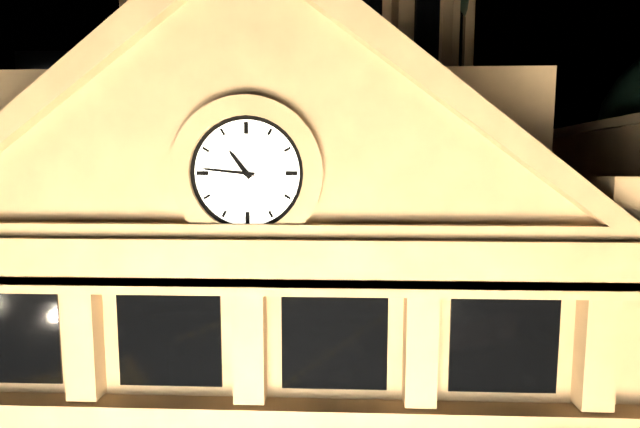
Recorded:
10 h 46 min
